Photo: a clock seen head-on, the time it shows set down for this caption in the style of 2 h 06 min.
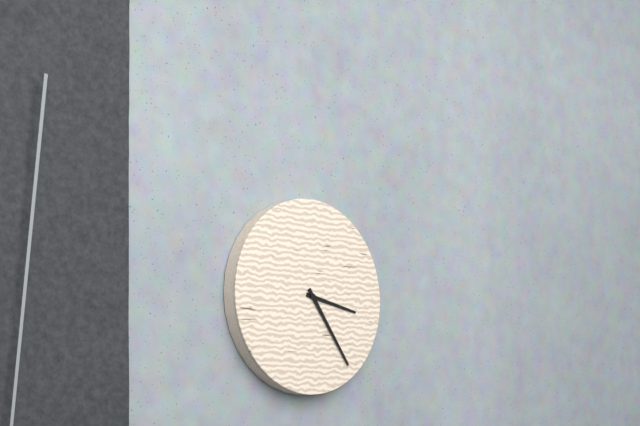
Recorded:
3 h 24 min
